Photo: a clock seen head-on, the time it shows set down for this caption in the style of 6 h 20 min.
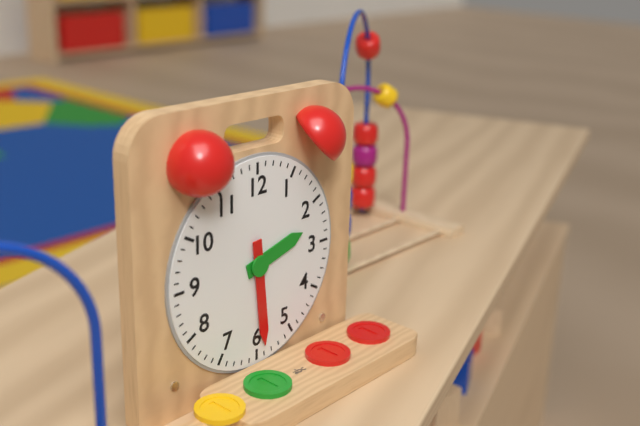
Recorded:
2 h 29 min
